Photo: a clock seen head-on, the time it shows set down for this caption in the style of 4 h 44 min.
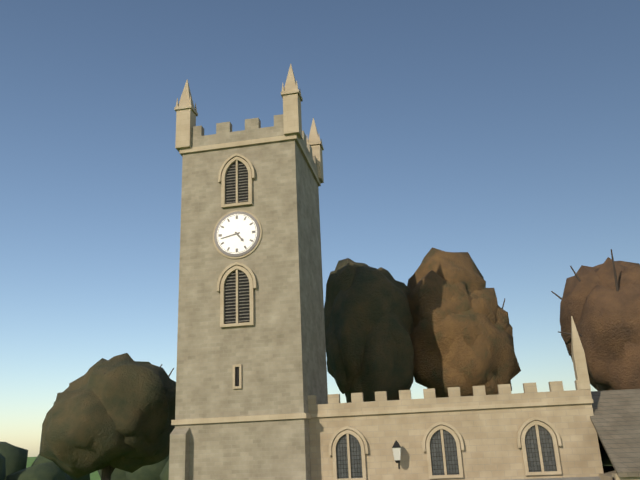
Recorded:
4 h 43 min
